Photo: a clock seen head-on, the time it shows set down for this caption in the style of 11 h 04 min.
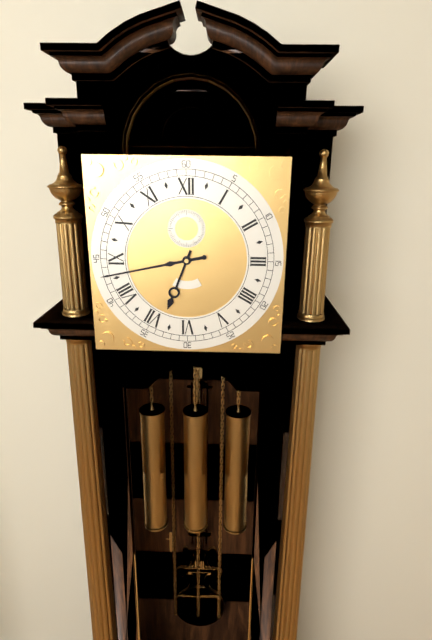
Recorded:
6 h 43 min
